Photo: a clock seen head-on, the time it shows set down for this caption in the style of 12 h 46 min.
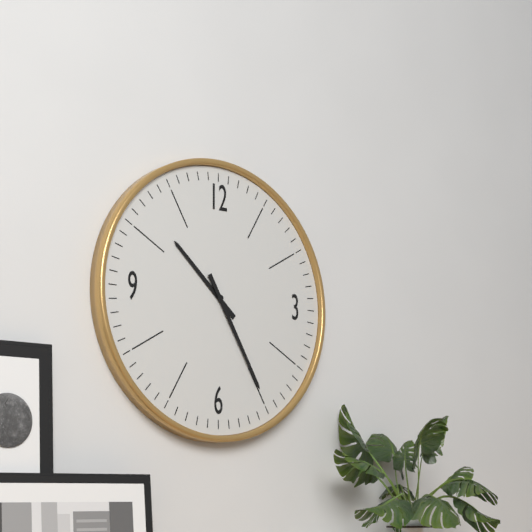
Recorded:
10 h 25 min
